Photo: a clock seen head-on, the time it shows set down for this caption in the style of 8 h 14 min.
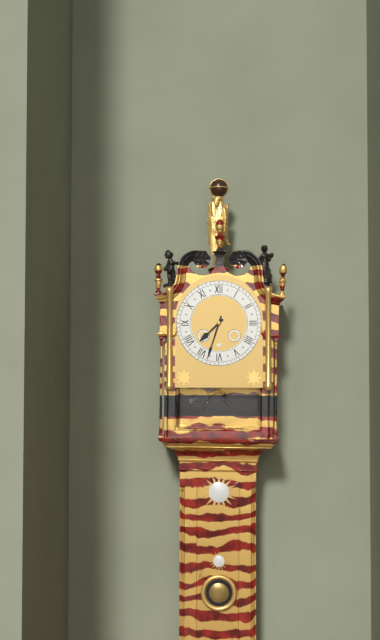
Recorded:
7 h 33 min
